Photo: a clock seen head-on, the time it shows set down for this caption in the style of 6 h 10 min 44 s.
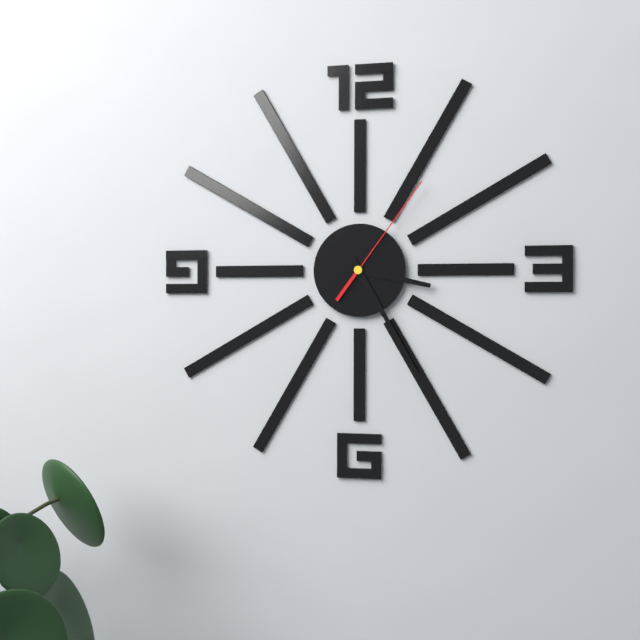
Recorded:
3 h 25 min 06 s
